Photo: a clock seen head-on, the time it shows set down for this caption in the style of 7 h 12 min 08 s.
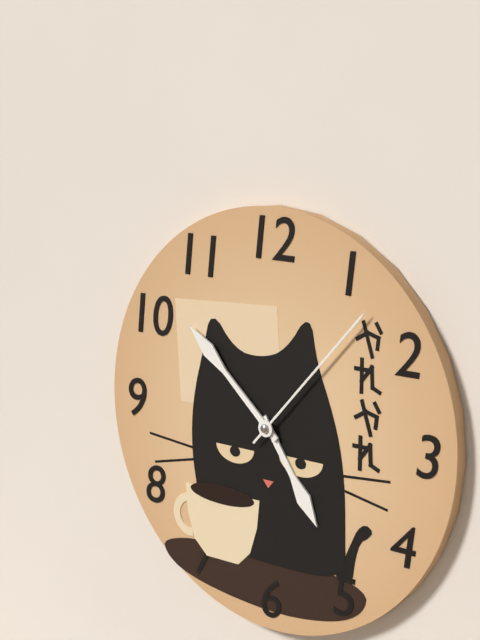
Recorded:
4 h 52 min 07 s
